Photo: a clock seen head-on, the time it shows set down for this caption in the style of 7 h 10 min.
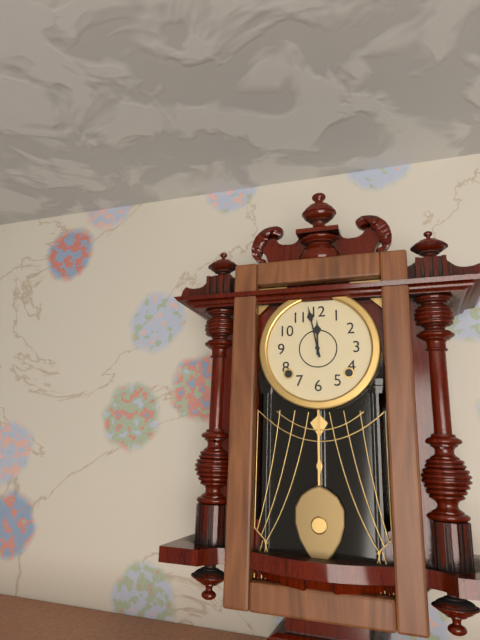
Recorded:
11 h 58 min
